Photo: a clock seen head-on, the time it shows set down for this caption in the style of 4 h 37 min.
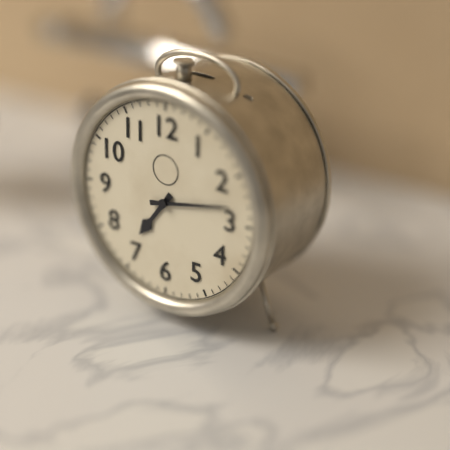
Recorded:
7 h 13 min
